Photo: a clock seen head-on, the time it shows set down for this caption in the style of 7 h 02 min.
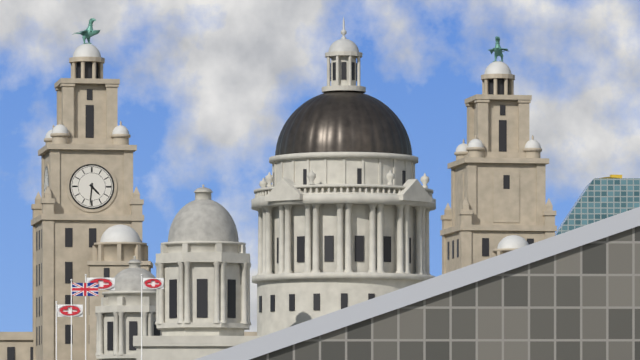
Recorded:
4 h 31 min
